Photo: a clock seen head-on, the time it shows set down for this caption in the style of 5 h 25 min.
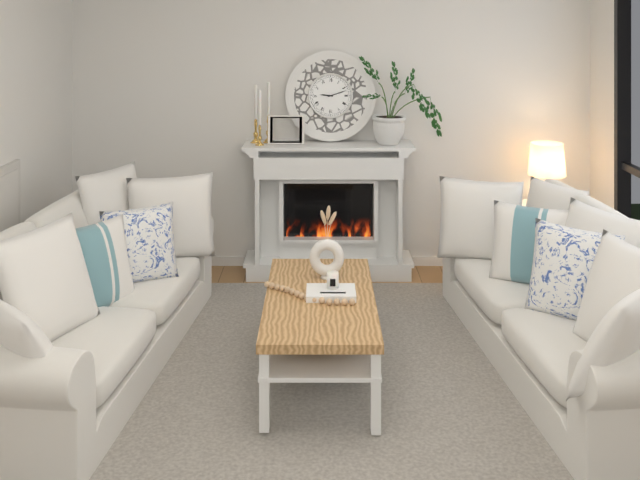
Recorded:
9 h 12 min
